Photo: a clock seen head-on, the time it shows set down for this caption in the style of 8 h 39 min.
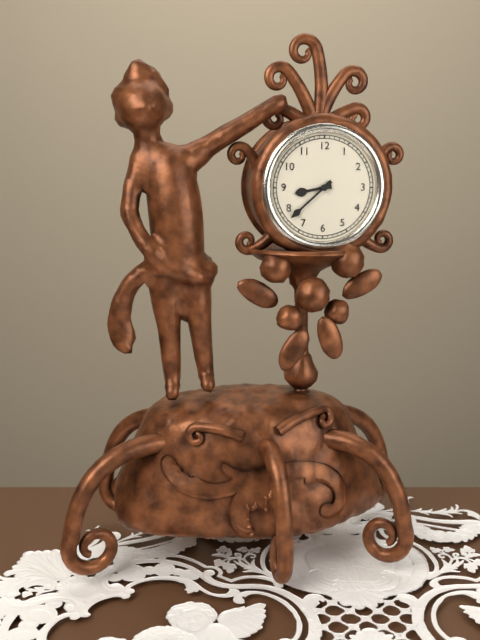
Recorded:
8 h 38 min
